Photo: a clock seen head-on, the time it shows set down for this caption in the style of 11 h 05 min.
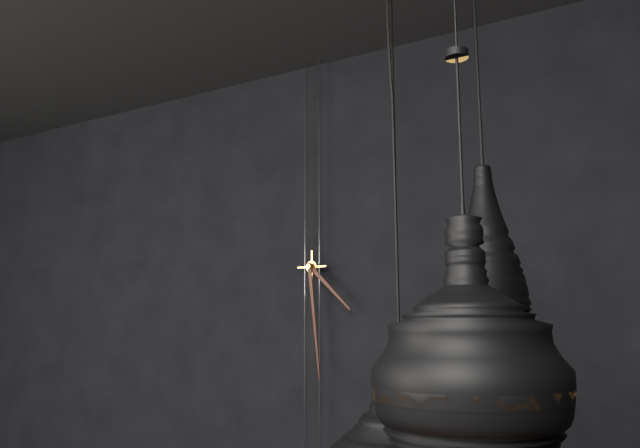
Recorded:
4 h 29 min
